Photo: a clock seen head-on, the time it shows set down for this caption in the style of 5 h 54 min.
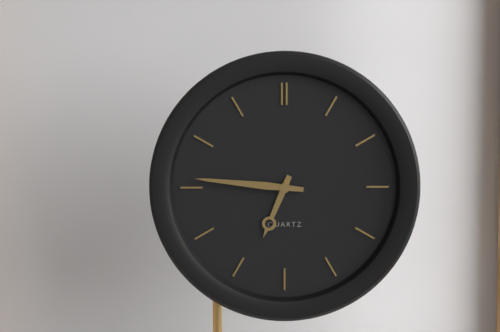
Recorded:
6 h 46 min
